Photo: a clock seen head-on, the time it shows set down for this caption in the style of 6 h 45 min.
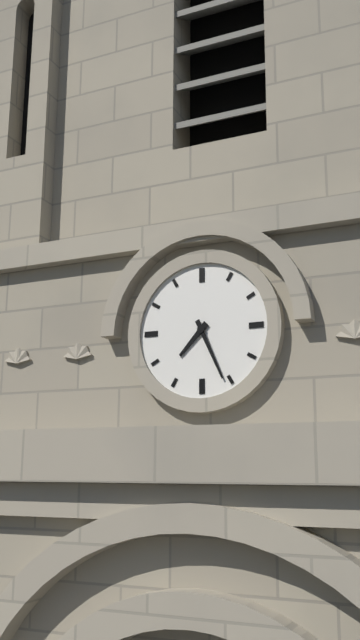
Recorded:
7 h 26 min
